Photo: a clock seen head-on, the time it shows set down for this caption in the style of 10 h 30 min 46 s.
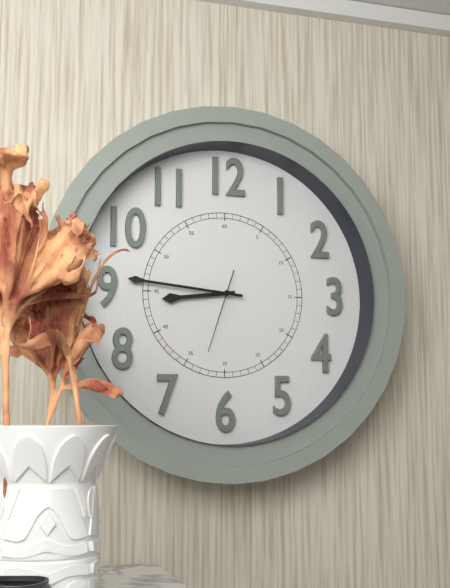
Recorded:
8 h 46 min 33 s
